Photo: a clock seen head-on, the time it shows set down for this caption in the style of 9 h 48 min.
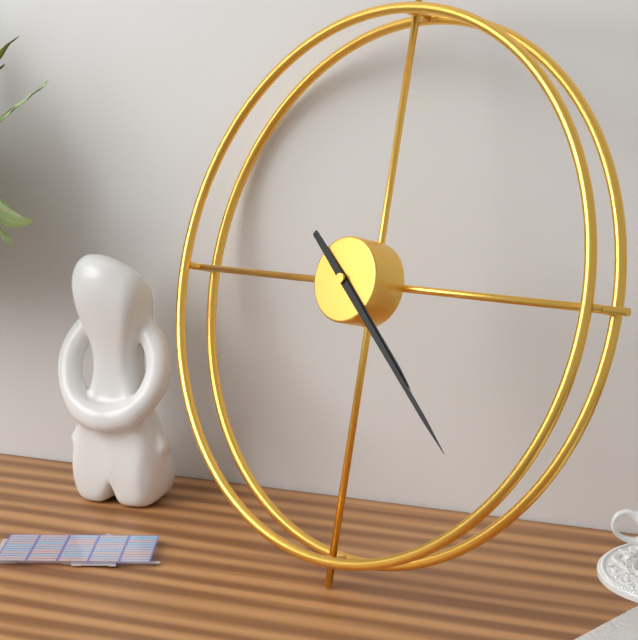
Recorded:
4 h 22 min
